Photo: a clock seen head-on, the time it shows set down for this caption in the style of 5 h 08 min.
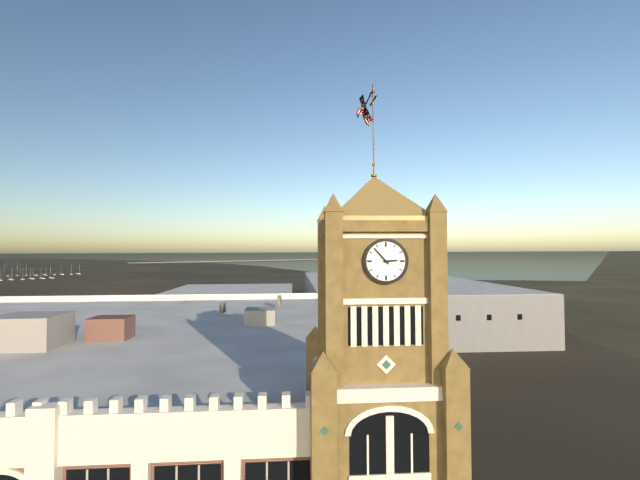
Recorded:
2 h 53 min
